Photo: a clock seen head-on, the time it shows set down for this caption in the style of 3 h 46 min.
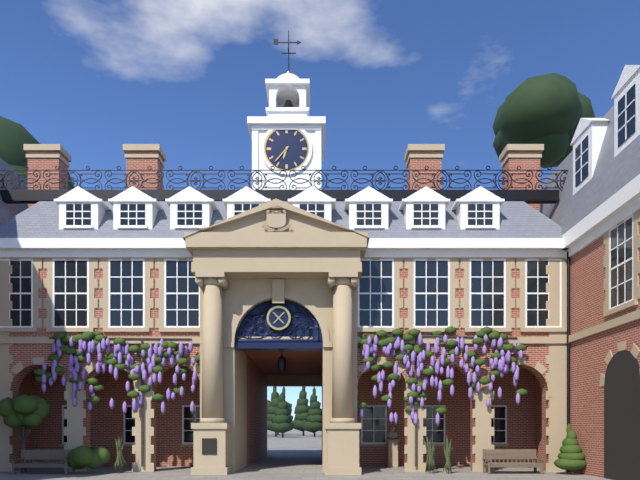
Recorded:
6 h 37 min
